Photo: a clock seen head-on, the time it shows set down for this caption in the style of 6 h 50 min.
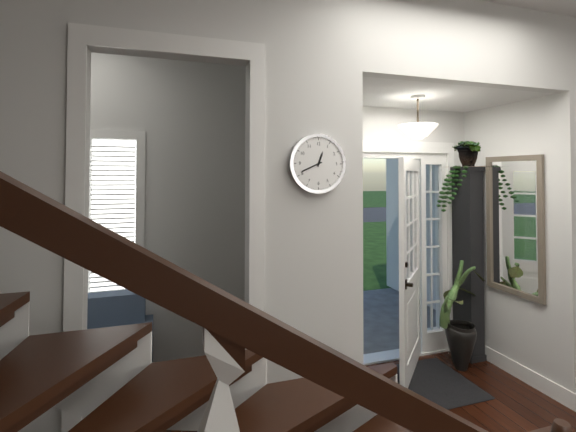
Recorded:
12 h 41 min
